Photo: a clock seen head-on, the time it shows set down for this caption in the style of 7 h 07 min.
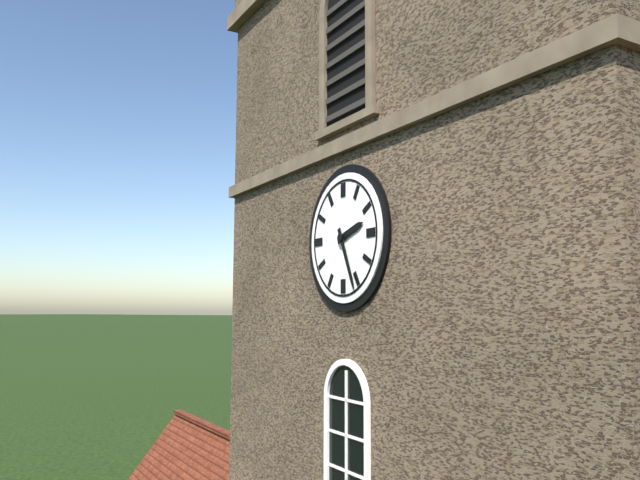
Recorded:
2 h 26 min
